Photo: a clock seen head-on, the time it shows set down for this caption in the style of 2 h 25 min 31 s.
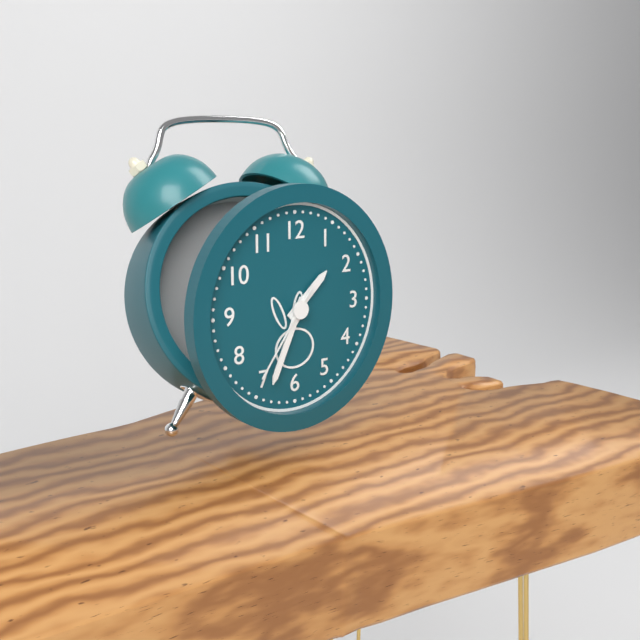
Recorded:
1 h 34 min 36 s
